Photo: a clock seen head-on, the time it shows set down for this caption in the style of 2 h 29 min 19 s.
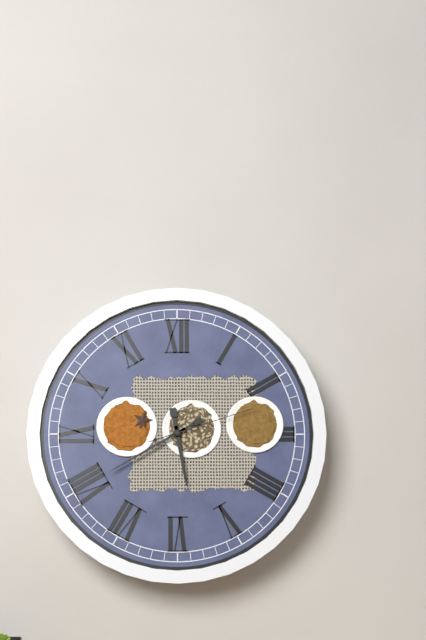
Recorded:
5 h 40 min 12 s
